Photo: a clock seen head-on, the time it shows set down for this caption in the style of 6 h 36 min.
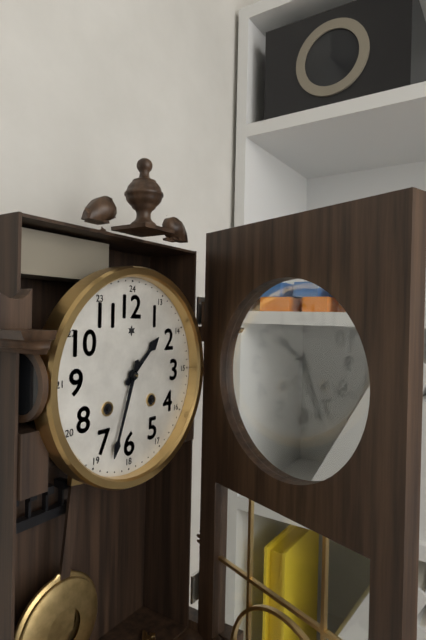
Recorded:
1 h 33 min
